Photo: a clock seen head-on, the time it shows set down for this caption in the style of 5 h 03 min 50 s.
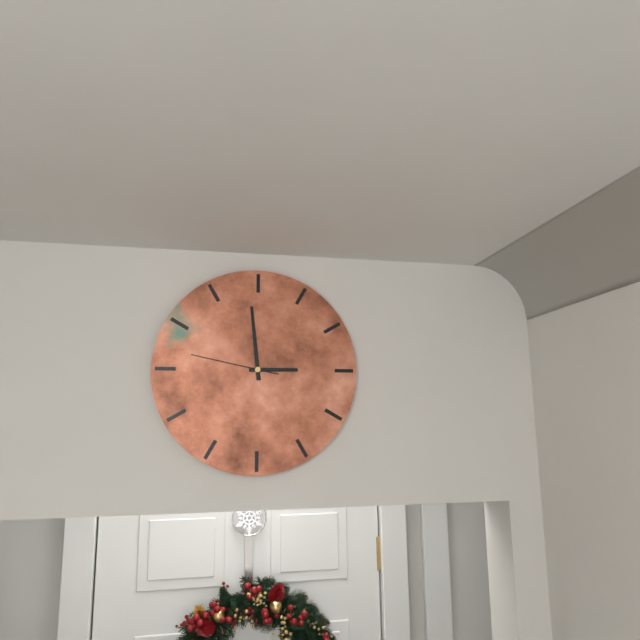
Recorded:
2 h 59 min 47 s
